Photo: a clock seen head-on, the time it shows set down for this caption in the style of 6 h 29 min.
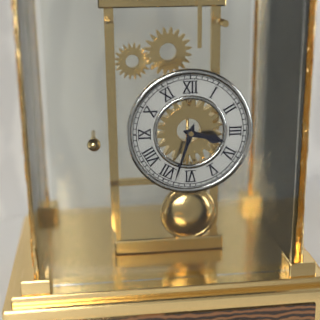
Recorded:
3 h 33 min
